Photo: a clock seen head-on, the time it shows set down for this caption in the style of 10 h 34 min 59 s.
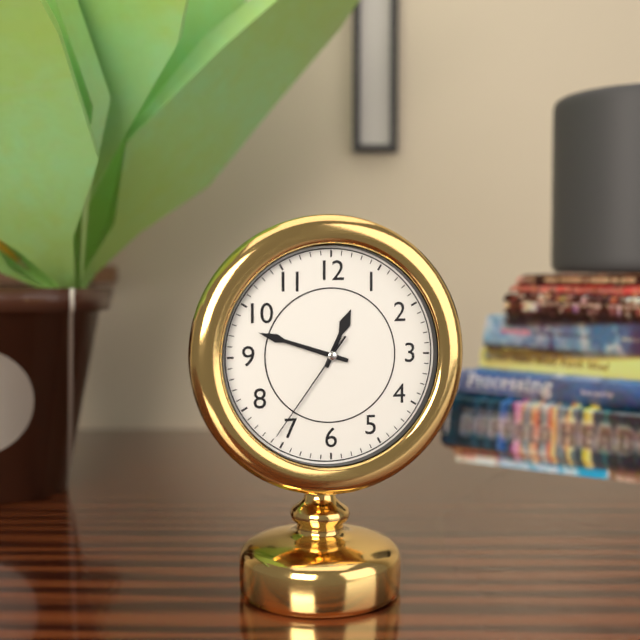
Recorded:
12 h 48 min 36 s
